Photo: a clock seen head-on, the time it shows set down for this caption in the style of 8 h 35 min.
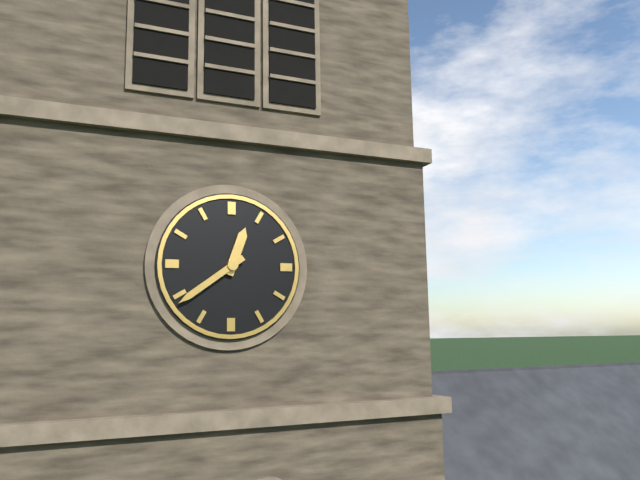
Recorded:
12 h 39 min
